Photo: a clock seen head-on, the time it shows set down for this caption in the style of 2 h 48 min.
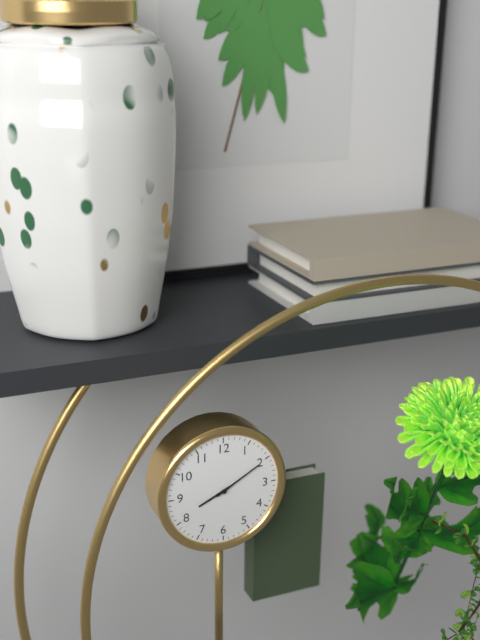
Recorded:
8 h 10 min
